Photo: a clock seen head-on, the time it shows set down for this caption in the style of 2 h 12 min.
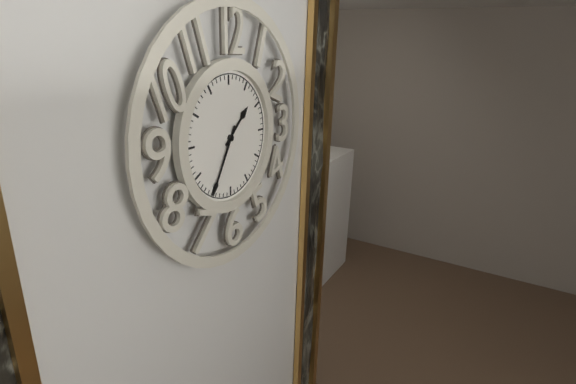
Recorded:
1 h 35 min
